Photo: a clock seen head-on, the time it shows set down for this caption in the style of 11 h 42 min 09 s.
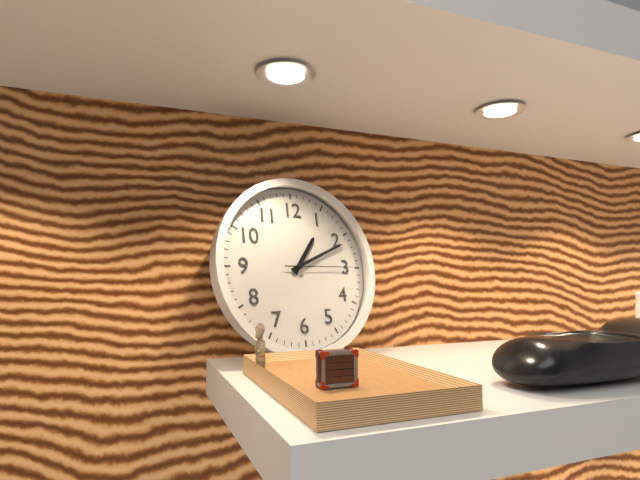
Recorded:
1 h 11 min 15 s
